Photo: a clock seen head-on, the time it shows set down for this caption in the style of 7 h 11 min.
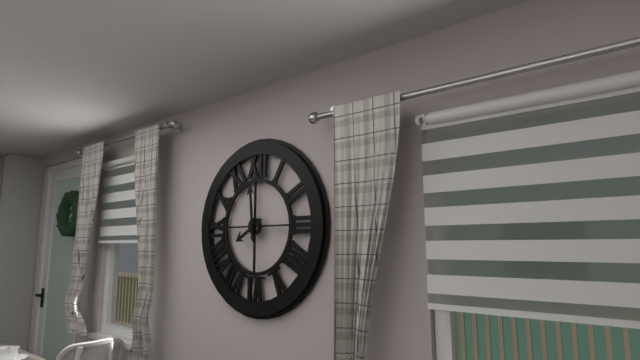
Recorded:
7 h 59 min
